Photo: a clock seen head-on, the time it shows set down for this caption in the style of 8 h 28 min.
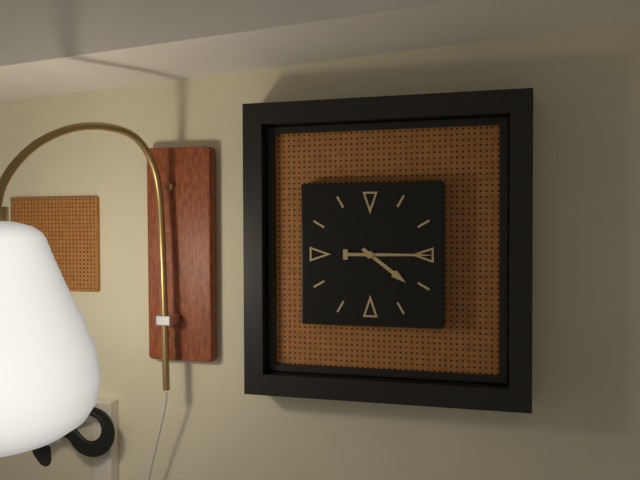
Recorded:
4 h 15 min
